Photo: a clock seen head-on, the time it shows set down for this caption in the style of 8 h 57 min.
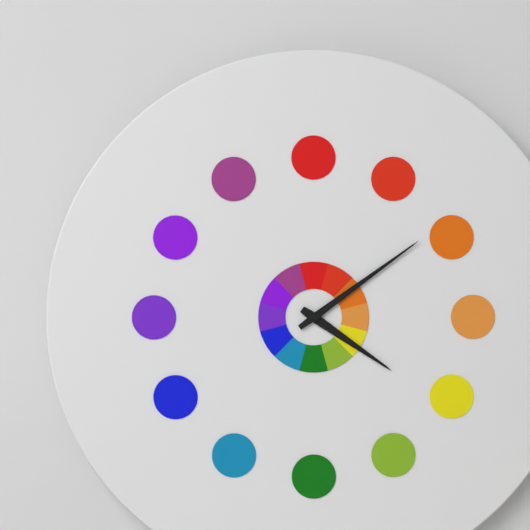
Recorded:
4 h 09 min
